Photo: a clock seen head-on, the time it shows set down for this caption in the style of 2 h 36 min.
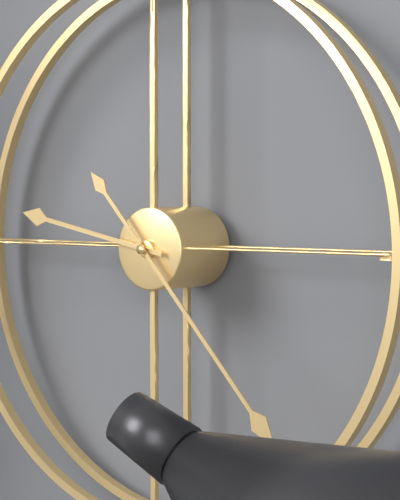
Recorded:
9 h 23 min
